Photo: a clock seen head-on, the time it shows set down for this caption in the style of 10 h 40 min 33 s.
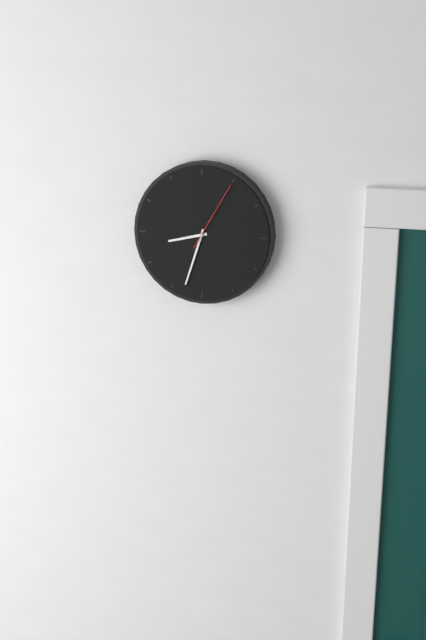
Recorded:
8 h 33 min 05 s
